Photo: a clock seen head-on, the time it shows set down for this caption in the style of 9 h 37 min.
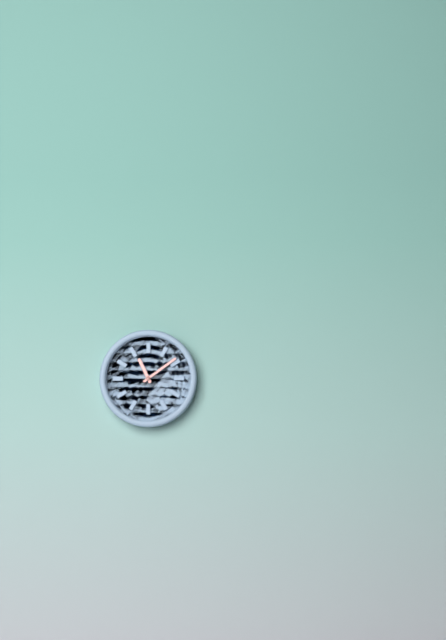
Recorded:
11 h 09 min
